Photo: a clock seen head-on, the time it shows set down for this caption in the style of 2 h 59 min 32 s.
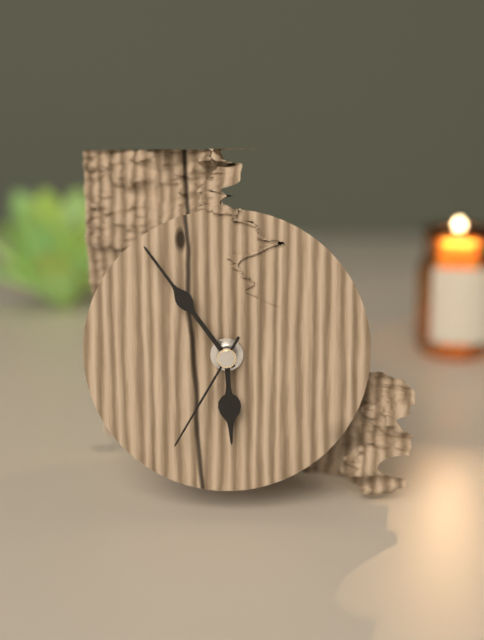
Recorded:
5 h 54 min 35 s
